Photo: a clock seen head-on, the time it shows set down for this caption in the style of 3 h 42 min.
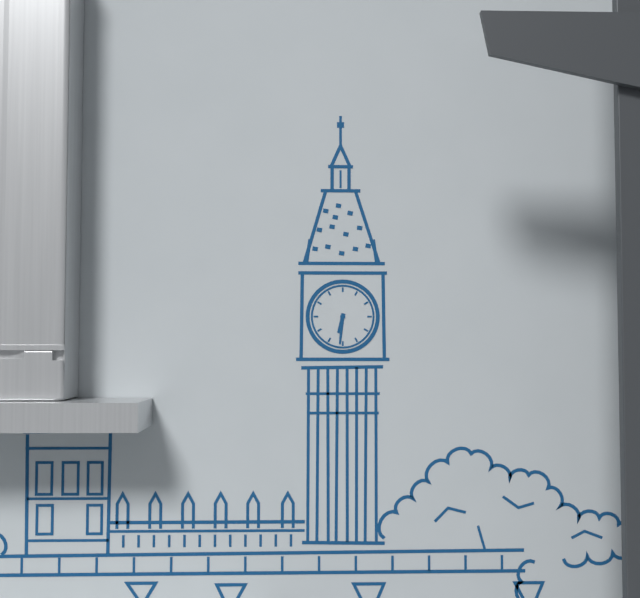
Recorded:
6 h 31 min
